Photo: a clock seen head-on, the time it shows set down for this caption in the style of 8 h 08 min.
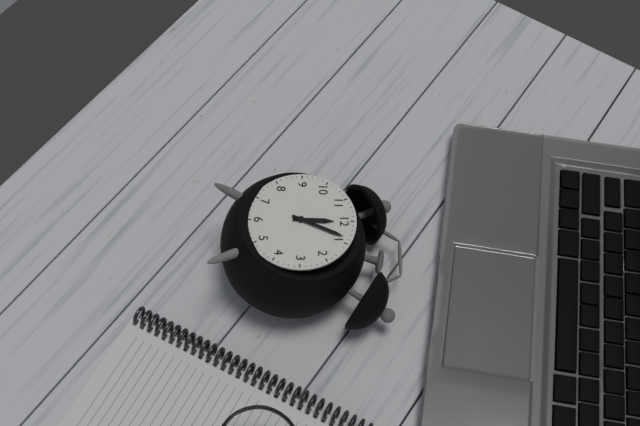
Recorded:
12 h 04 min
